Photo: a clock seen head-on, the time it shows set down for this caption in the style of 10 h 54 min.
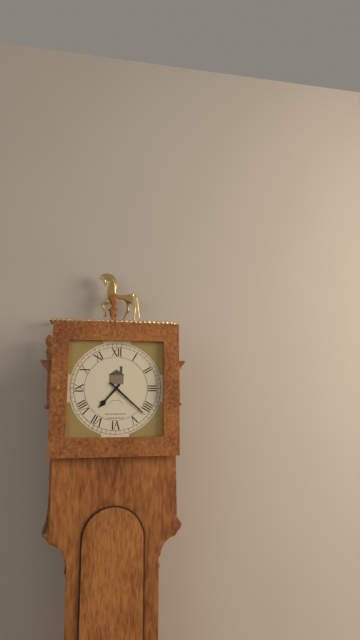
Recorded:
7 h 22 min
